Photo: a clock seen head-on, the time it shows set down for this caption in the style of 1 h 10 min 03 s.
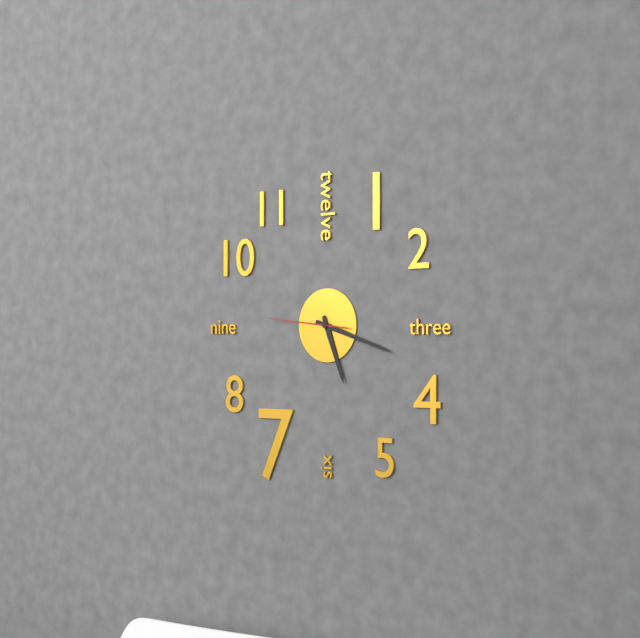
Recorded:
5 h 18 min 46 s
